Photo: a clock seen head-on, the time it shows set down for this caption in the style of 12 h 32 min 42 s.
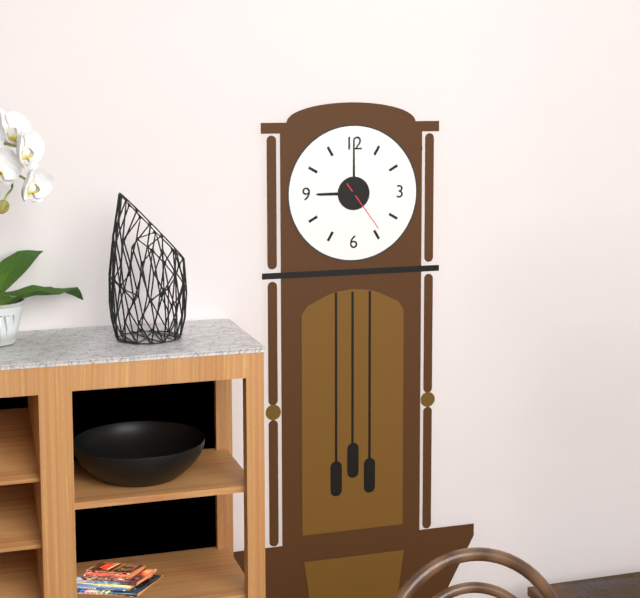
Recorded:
9 h 00 min 24 s
